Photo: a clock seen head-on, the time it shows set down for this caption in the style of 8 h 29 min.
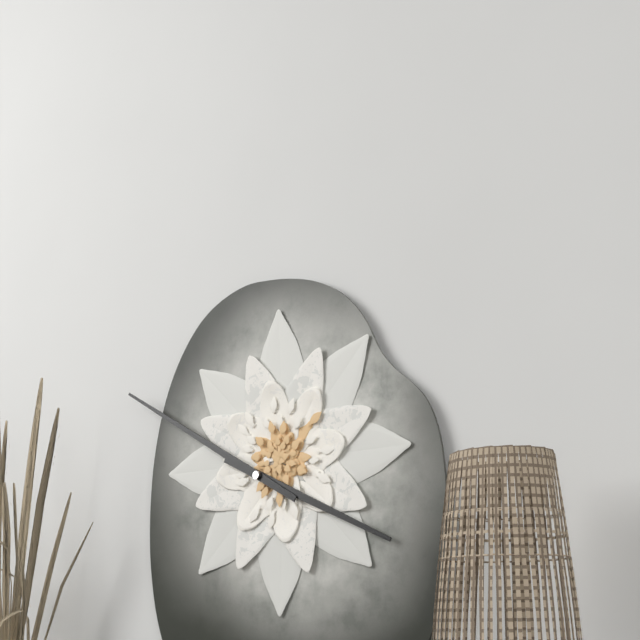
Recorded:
3 h 50 min
